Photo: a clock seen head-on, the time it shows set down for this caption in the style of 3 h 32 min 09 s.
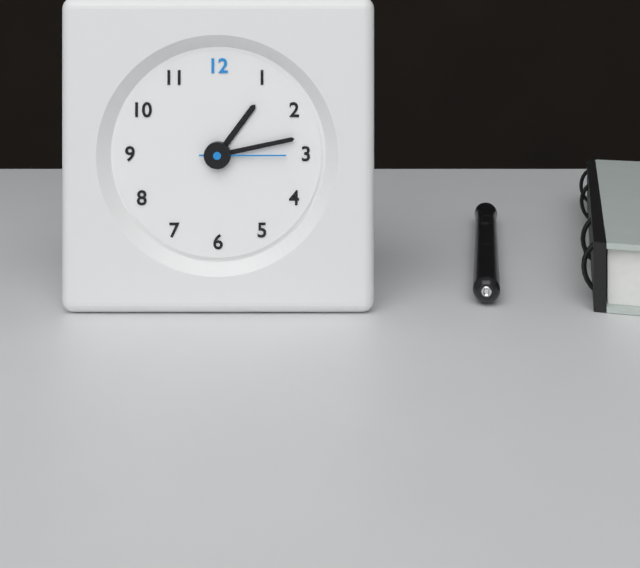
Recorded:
1 h 13 min 15 s
